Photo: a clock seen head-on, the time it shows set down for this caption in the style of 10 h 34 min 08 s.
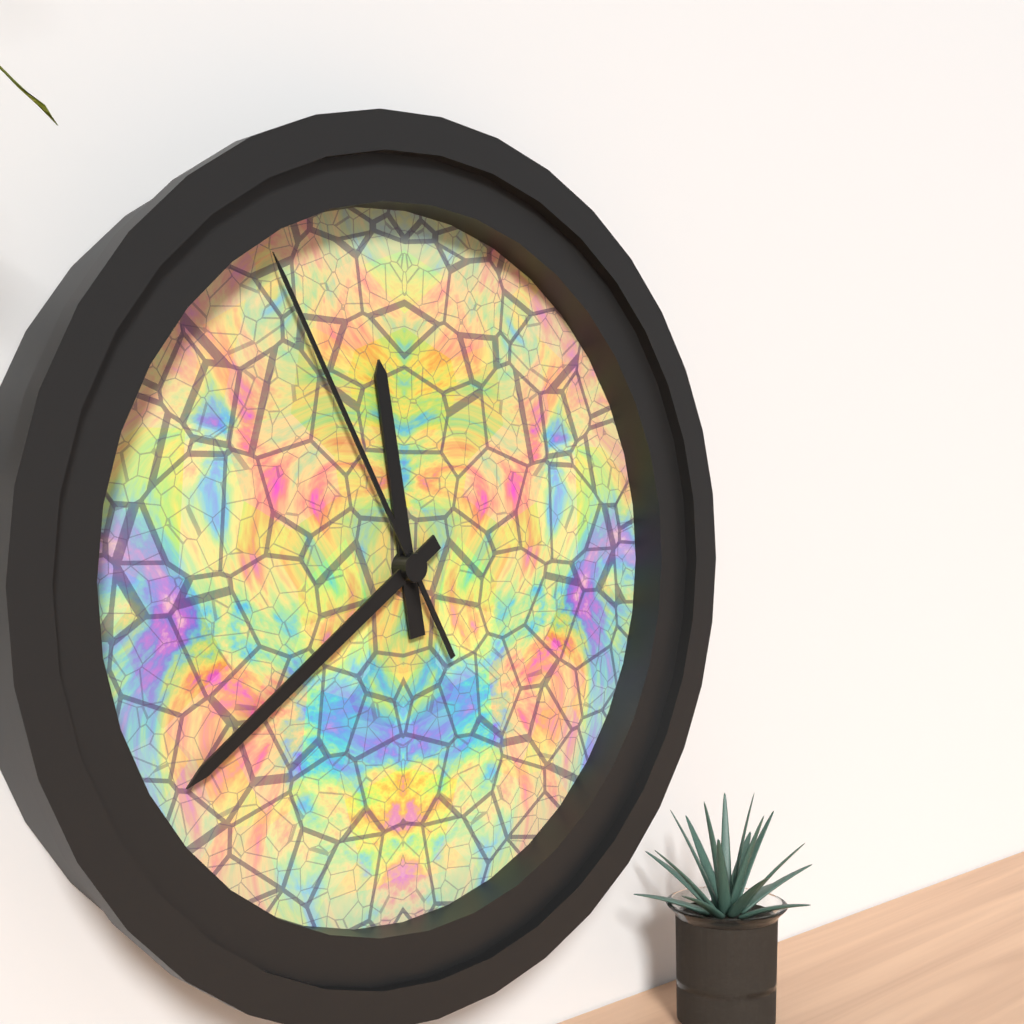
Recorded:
11 h 39 min 55 s
